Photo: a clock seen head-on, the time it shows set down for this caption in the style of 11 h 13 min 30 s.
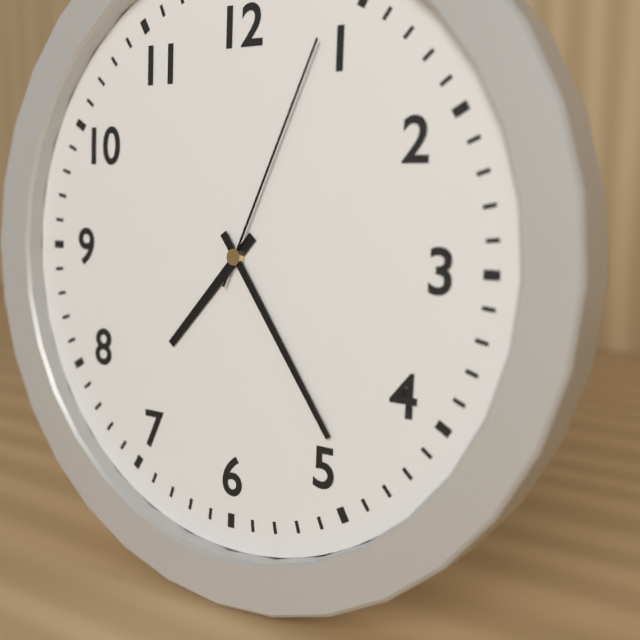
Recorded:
7 h 24 min 04 s
